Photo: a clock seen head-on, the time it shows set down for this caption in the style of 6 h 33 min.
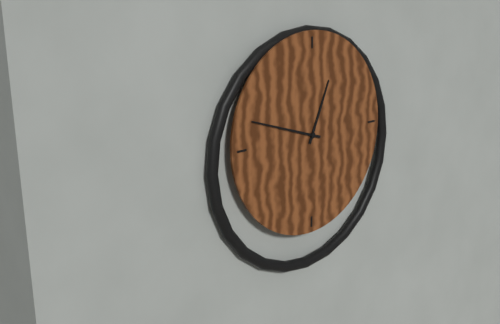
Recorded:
12 h 48 min
